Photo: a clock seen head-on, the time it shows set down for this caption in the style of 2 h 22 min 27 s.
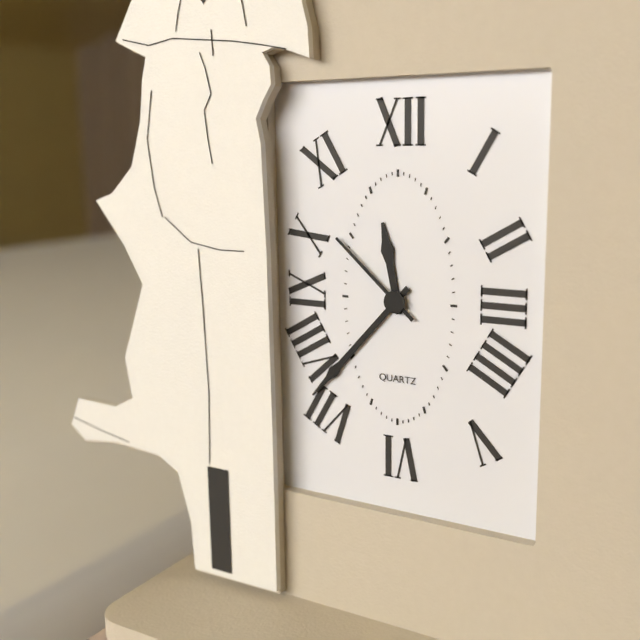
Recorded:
11 h 37 min 52 s
